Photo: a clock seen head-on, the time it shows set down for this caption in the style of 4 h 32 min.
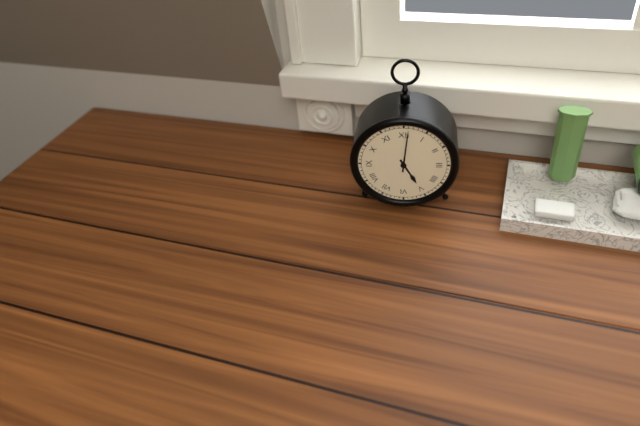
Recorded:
5 h 01 min
